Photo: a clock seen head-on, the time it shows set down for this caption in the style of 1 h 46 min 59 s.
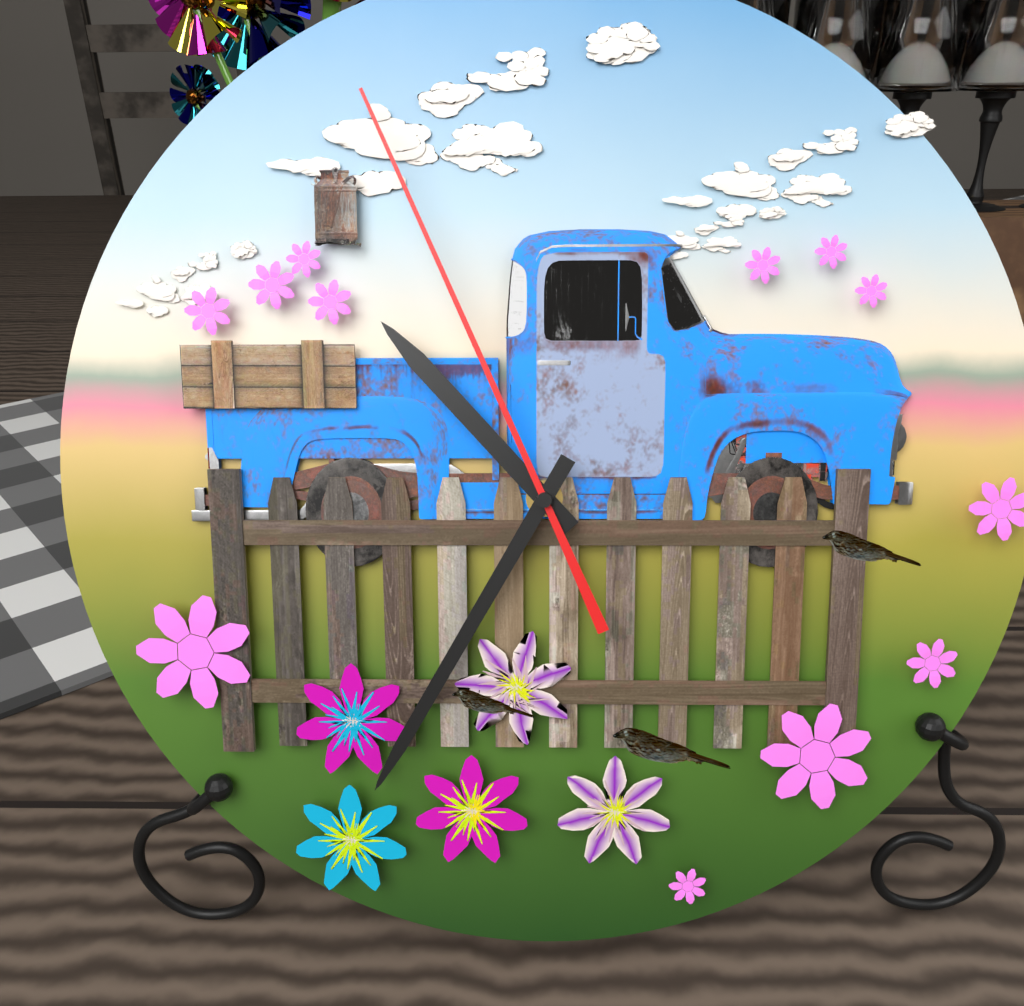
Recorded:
10 h 35 min 56 s
